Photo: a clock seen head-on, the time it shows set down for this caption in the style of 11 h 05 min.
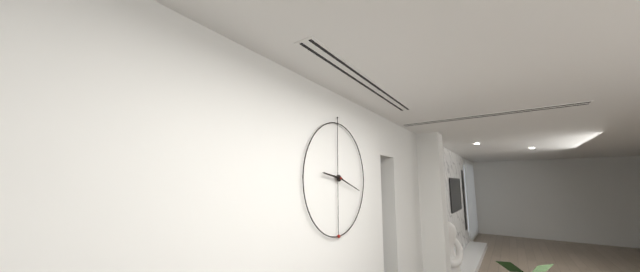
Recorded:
9 h 18 min
